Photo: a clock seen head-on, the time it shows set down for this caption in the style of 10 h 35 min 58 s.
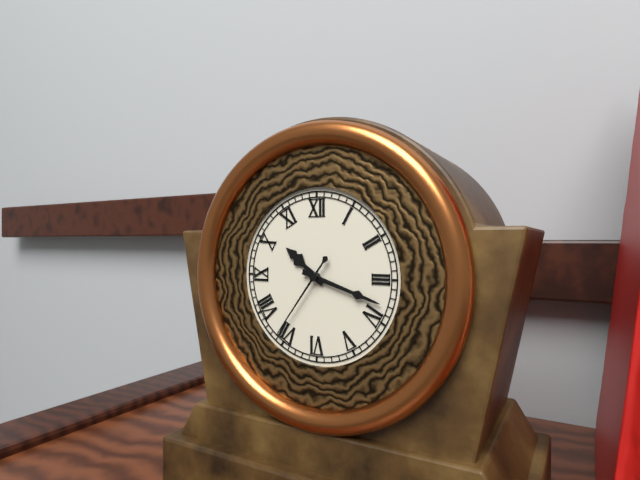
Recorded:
10 h 18 min 36 s
